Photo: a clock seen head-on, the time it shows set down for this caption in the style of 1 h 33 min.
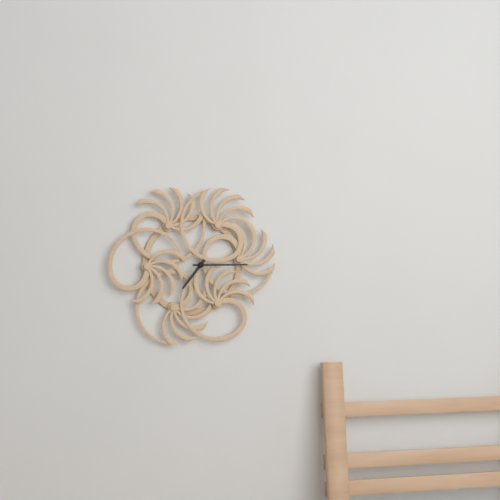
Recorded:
7 h 15 min
